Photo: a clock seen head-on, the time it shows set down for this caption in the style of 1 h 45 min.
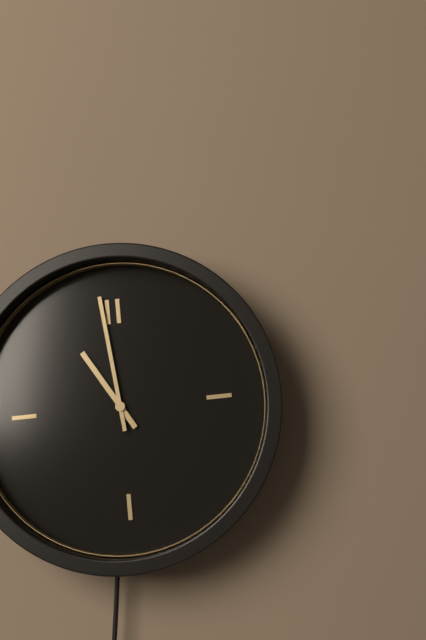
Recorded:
10 h 59 min
